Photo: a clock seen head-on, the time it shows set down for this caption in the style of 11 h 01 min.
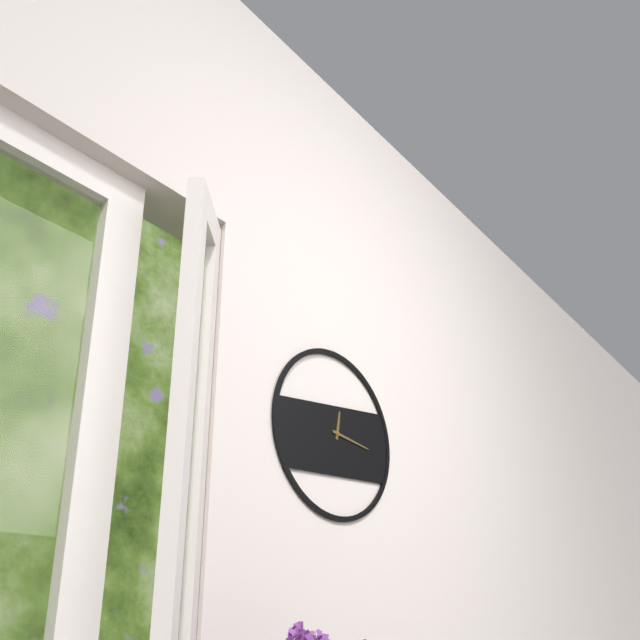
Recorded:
12 h 16 min
